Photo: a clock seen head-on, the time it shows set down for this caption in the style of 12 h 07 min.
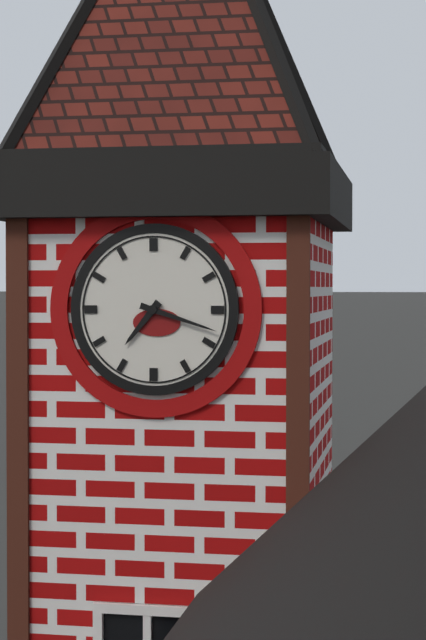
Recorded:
7 h 18 min
